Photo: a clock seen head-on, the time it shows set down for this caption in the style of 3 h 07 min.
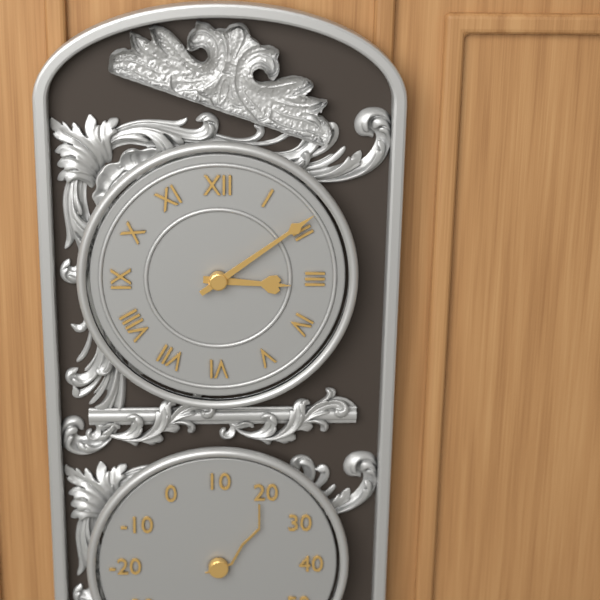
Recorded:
3 h 09 min
